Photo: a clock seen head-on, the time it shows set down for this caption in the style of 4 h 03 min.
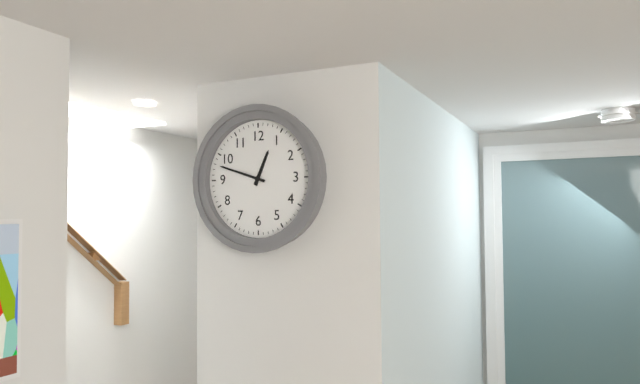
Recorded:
12 h 48 min
